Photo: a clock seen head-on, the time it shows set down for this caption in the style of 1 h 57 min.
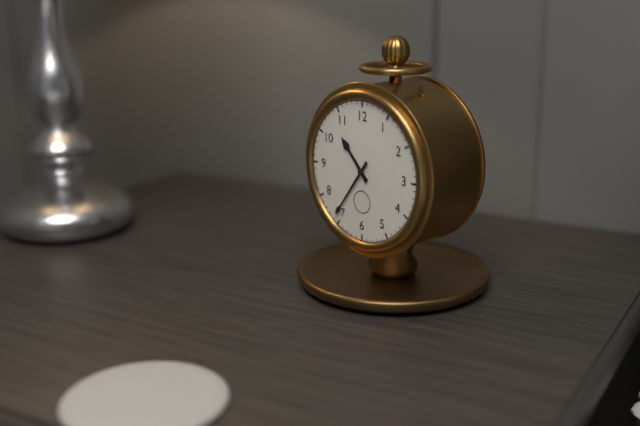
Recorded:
10 h 36 min
